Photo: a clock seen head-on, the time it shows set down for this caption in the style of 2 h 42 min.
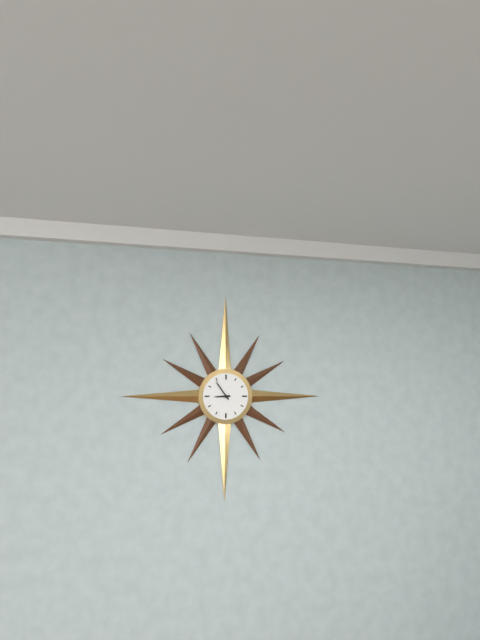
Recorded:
8 h 54 min
